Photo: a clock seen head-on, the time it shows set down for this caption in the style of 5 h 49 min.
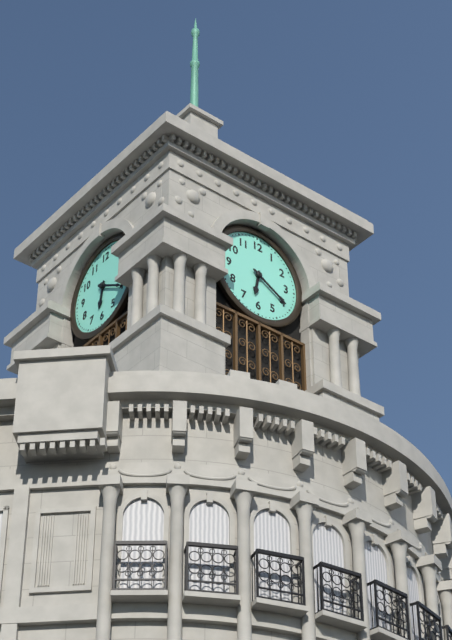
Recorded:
6 h 20 min
